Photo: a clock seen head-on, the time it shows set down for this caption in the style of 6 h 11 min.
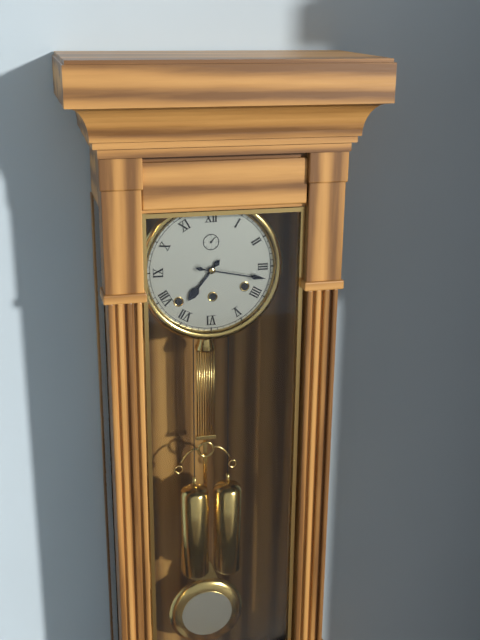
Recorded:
7 h 17 min
